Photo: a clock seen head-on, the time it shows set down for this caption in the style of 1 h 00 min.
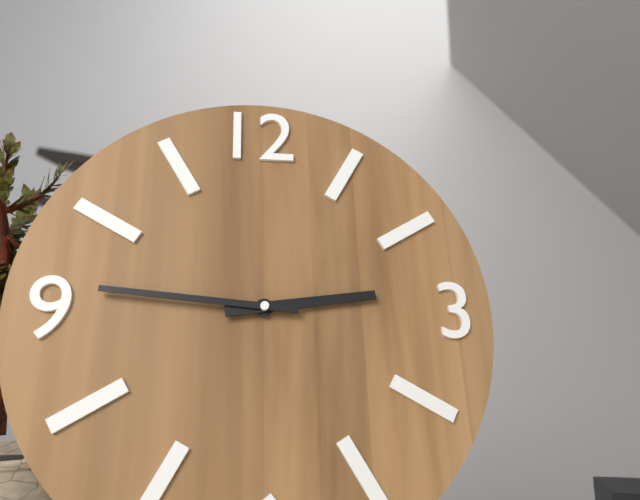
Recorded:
2 h 46 min
